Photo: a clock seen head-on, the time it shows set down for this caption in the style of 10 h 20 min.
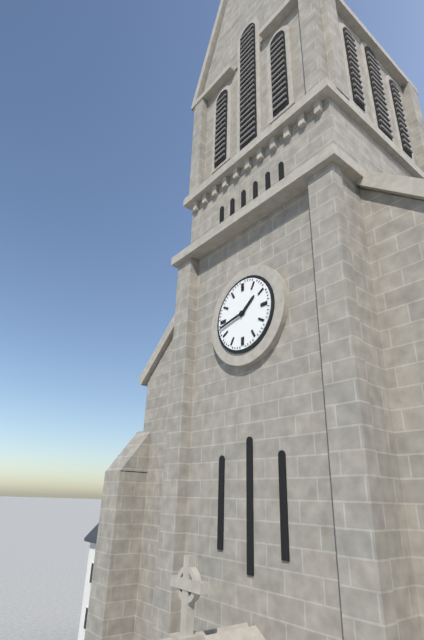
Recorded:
1 h 43 min
